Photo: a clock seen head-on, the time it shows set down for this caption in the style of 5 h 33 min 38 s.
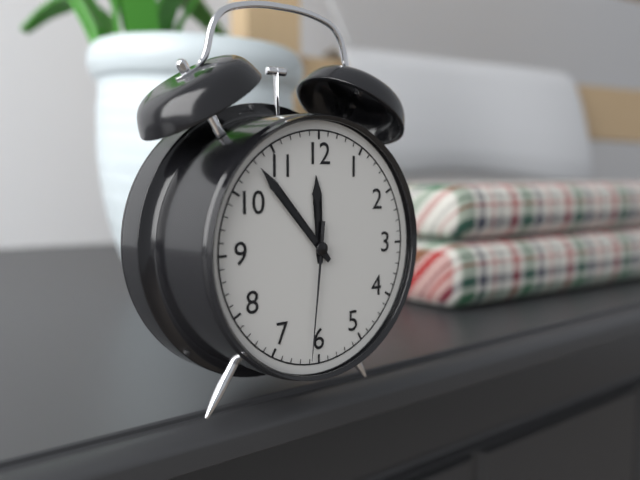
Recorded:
11 h 53 min 31 s
